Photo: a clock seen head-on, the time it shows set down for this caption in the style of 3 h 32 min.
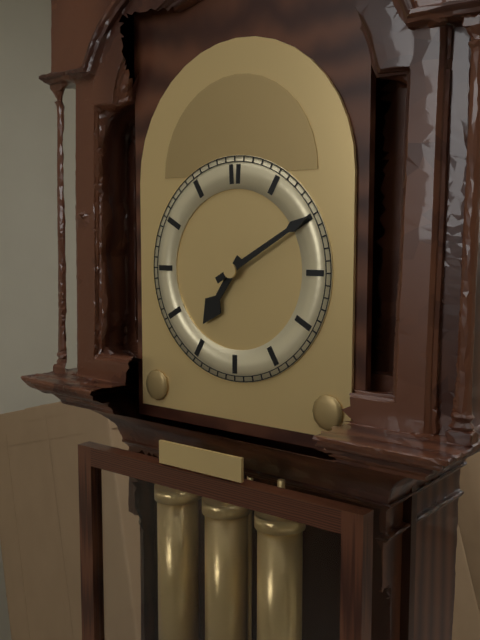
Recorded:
7 h 10 min
